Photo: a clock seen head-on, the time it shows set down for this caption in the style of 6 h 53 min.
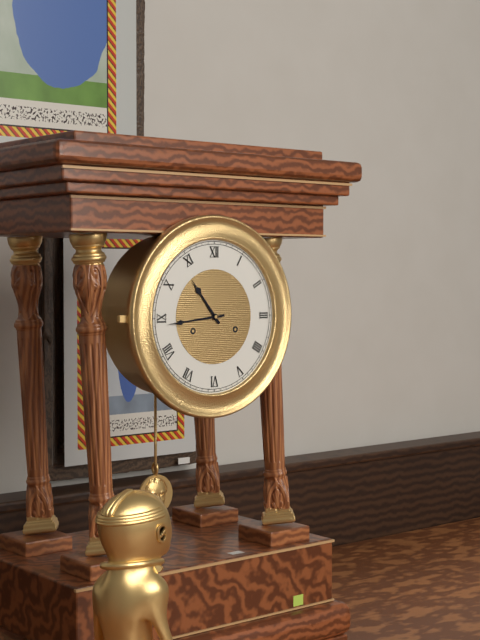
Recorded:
10 h 44 min
